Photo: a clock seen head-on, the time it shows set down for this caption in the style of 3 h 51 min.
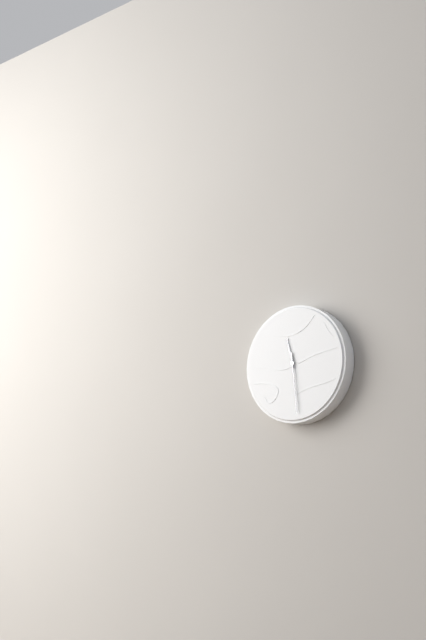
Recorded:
11 h 29 min
